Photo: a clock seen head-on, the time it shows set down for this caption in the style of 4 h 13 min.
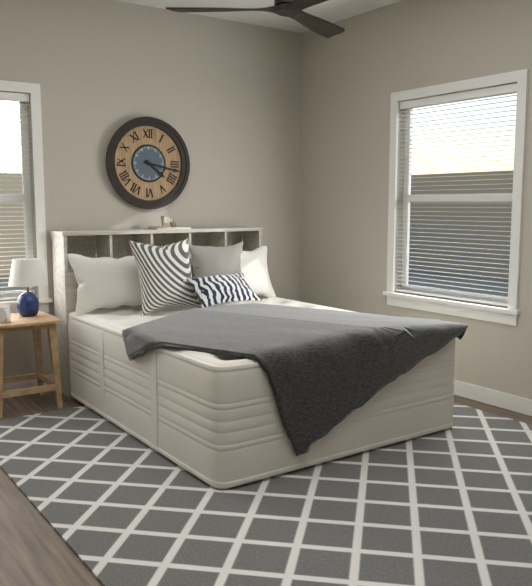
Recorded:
4 h 17 min
